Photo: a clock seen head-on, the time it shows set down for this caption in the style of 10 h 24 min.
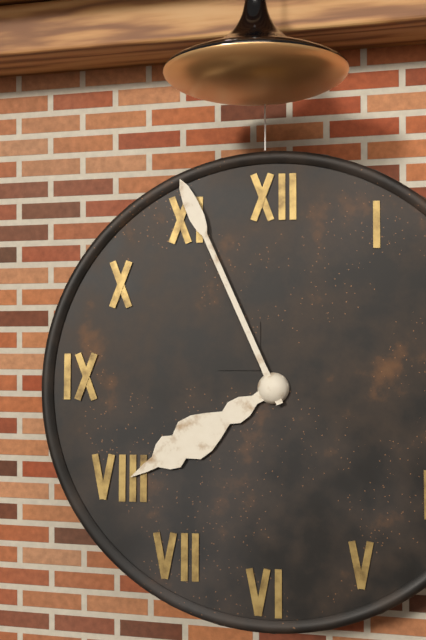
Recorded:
7 h 56 min
